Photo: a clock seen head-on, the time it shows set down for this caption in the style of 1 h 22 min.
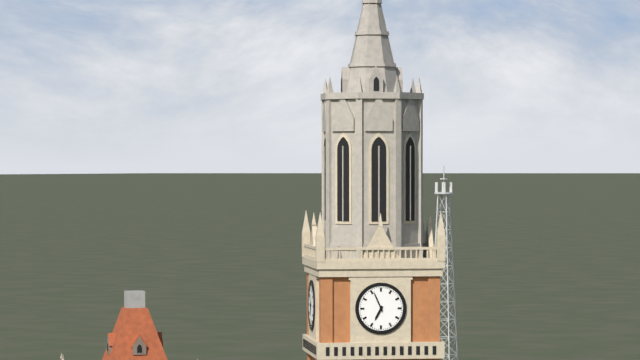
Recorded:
6 h 56 min
